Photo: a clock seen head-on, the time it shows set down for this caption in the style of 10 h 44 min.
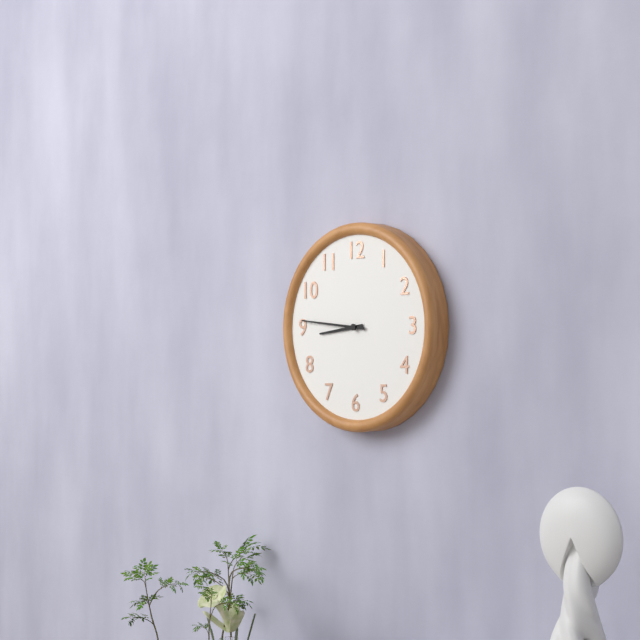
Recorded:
8 h 46 min
